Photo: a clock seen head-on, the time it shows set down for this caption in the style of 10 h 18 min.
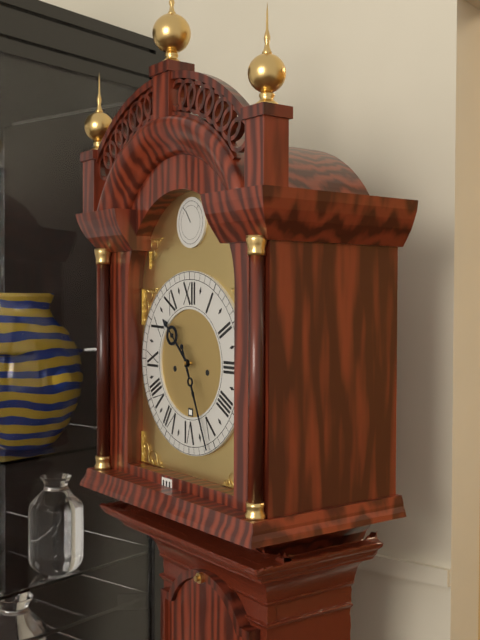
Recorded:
10 h 26 min
